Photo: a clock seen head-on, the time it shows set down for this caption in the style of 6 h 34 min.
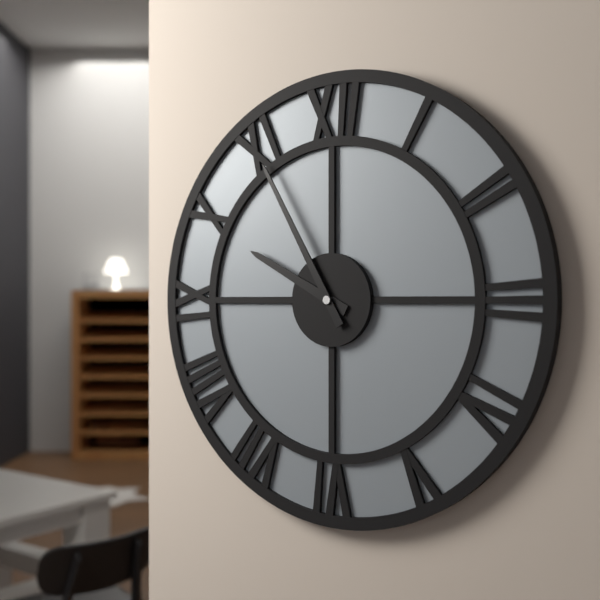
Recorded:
9 h 55 min
